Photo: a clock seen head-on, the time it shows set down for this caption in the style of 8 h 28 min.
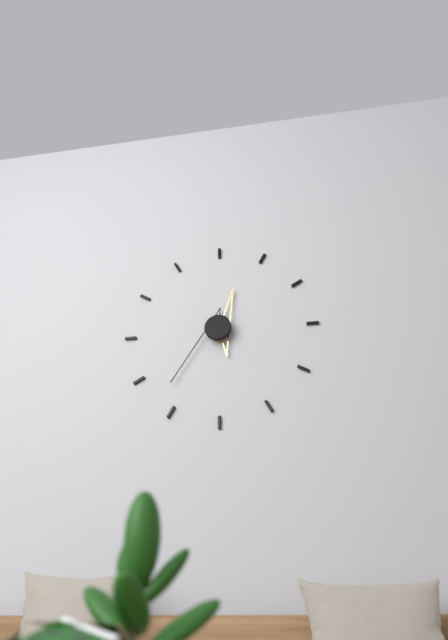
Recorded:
12 h 37 min
